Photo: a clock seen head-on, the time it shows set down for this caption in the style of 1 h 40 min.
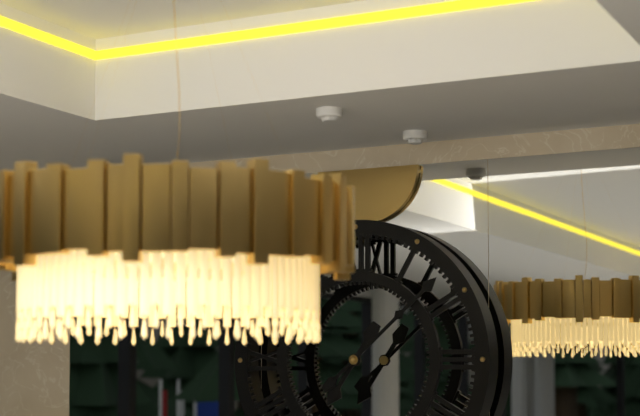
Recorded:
7 h 08 min
